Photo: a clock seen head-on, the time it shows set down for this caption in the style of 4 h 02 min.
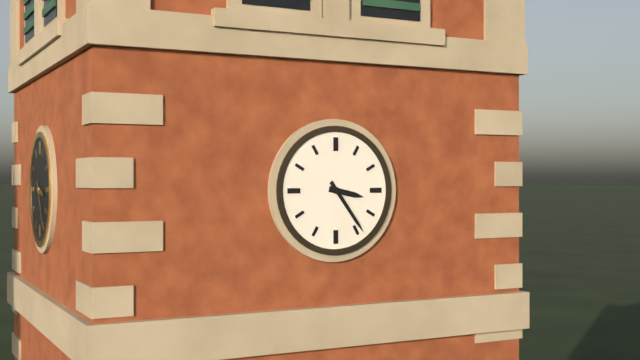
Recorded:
3 h 24 min
